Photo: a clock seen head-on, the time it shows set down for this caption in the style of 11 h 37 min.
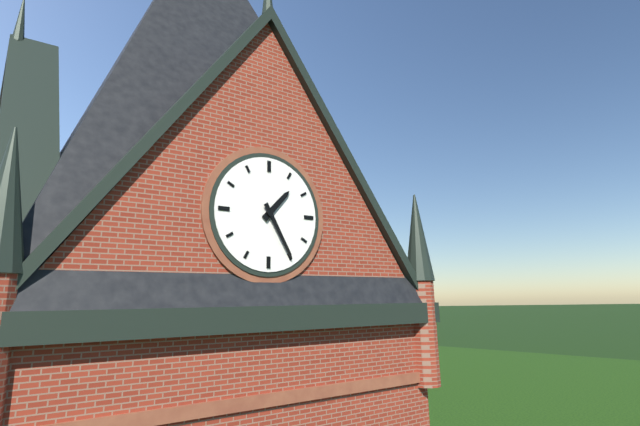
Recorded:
1 h 25 min
